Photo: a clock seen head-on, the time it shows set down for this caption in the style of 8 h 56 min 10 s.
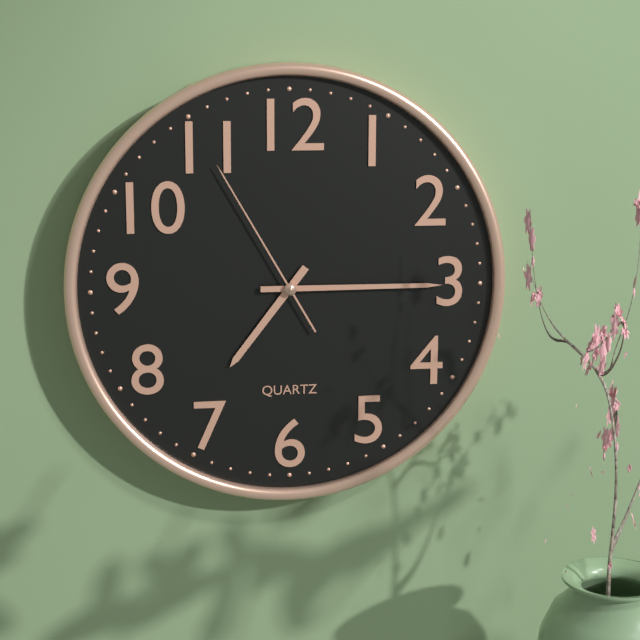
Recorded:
7 h 15 min 55 s
